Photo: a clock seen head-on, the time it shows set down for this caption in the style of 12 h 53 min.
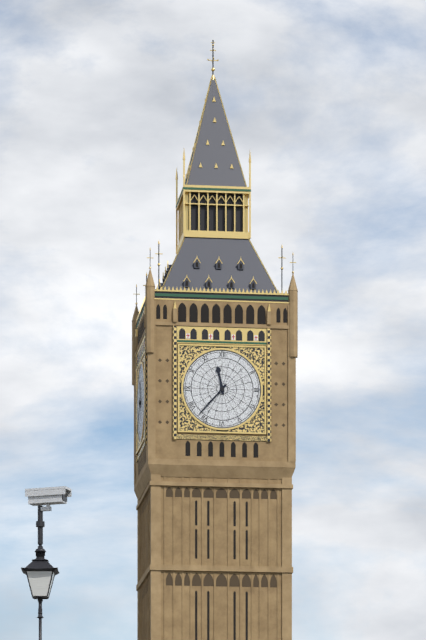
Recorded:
11 h 37 min
